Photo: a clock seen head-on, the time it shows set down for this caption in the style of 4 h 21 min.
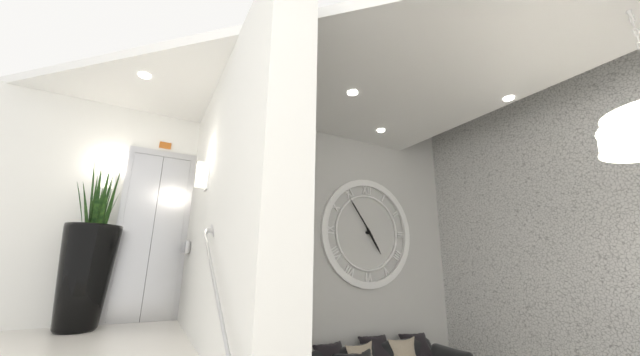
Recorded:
4 h 54 min
